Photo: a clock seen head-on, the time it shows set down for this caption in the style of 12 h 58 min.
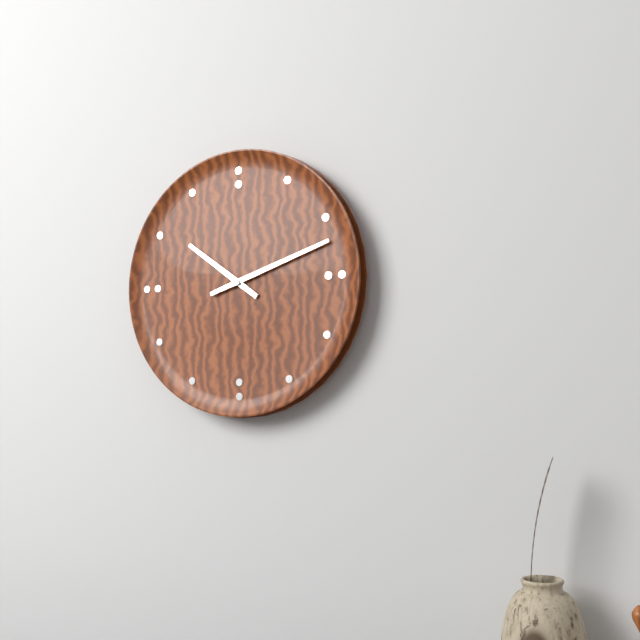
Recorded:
10 h 12 min
